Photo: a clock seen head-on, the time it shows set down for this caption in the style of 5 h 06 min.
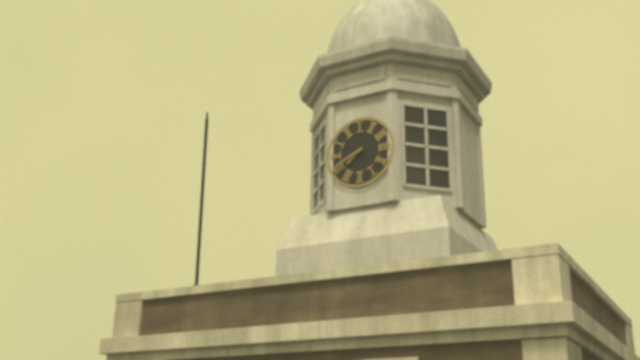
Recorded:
7 h 41 min
